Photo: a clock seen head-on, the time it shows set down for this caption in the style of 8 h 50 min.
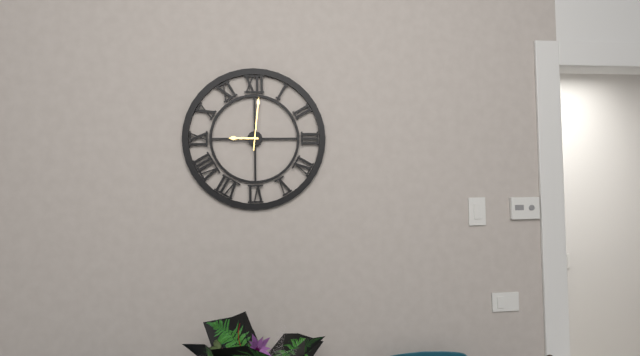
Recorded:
9 h 01 min
